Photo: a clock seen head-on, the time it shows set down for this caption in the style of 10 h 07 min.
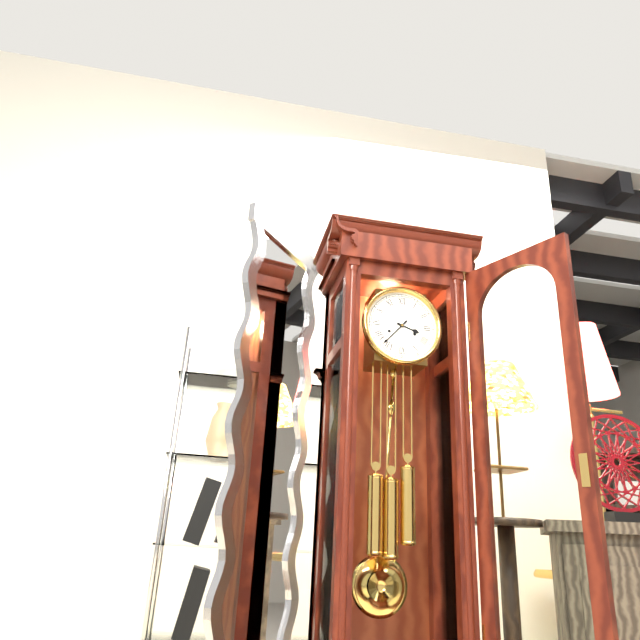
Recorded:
3 h 37 min
